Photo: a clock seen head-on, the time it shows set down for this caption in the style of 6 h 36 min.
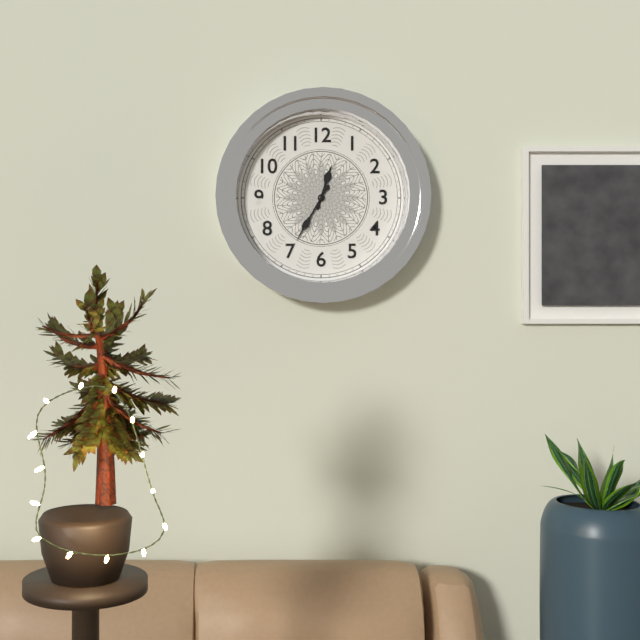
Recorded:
12 h 35 min
